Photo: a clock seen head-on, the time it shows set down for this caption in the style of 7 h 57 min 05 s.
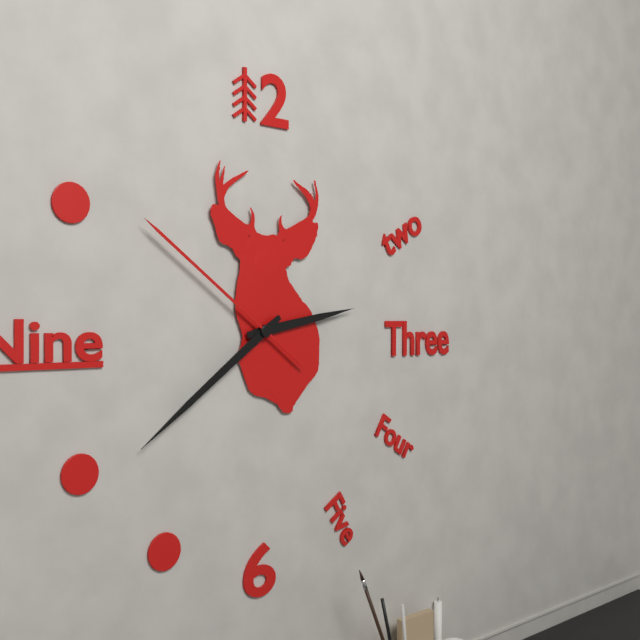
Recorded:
2 h 39 min 51 s
